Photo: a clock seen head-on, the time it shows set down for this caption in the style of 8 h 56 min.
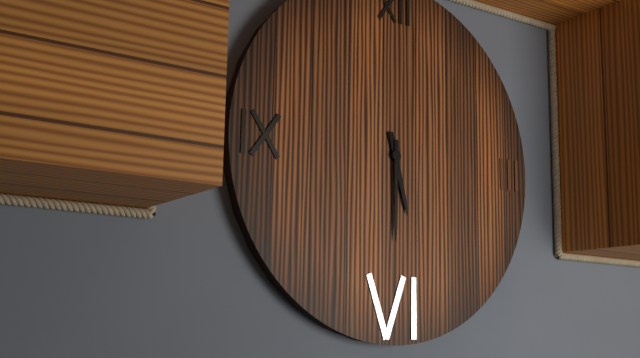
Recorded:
5 h 30 min
